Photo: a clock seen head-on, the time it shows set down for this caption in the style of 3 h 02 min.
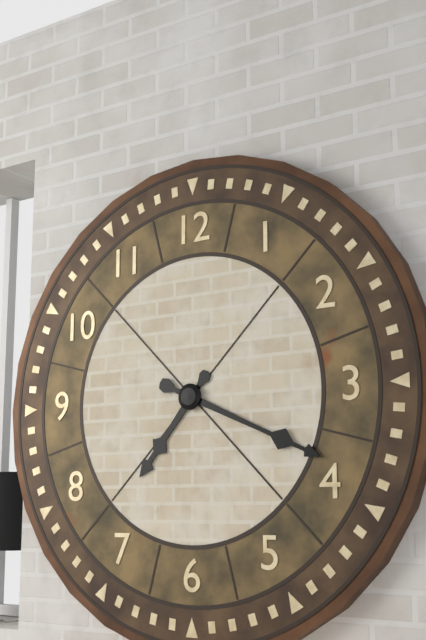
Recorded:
7 h 19 min
